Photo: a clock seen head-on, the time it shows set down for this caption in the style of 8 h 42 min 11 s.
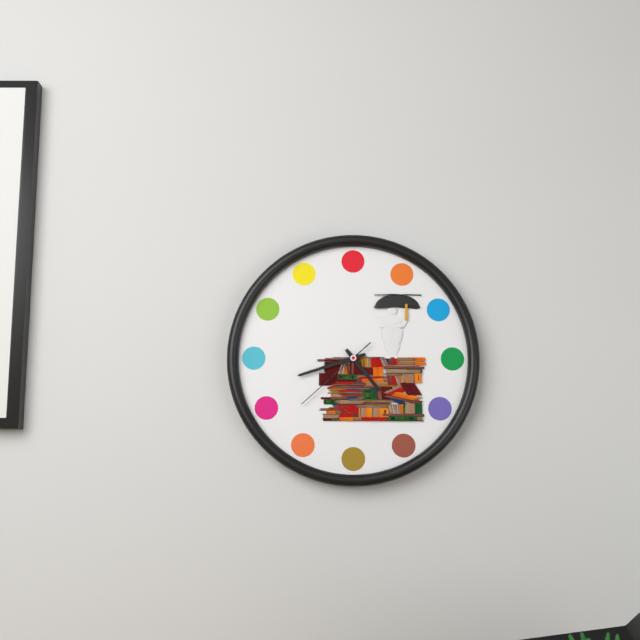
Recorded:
4 h 42 min 38 s
